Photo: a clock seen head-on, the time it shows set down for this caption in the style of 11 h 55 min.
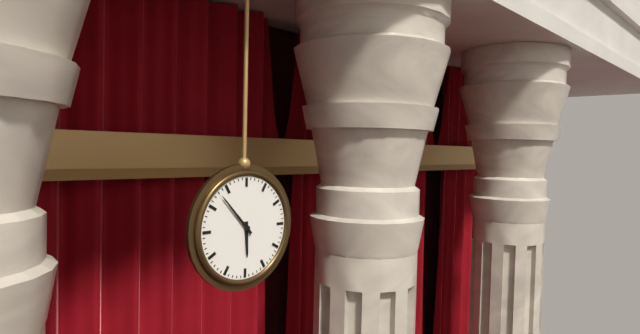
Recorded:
5 h 53 min
